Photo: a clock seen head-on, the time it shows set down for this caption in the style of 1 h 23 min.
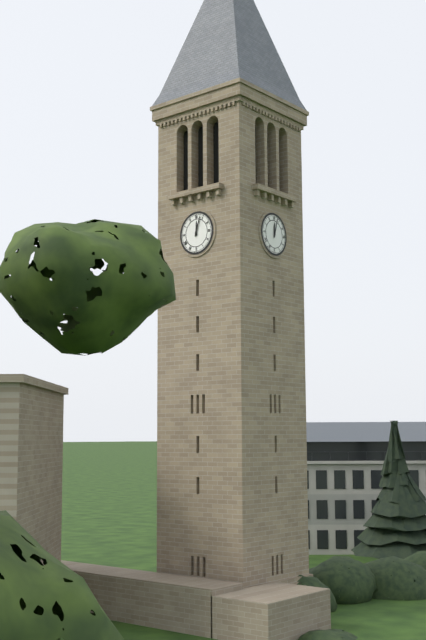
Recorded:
12 h 03 min
